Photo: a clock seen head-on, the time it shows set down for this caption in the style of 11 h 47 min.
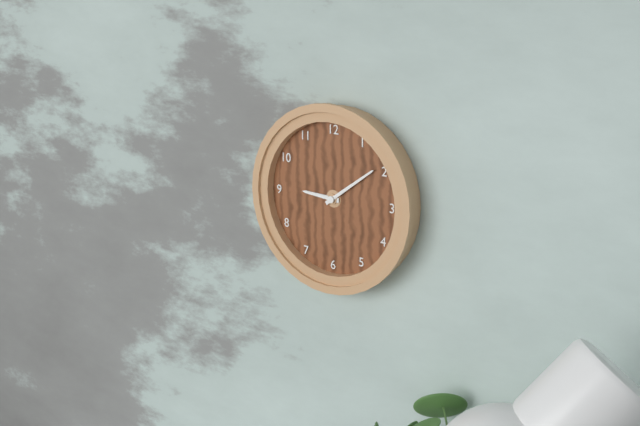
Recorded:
9 h 09 min
